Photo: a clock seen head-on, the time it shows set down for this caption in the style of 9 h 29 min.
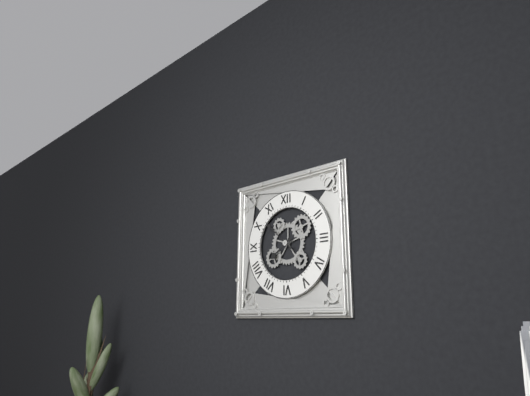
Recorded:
7 h 52 min
